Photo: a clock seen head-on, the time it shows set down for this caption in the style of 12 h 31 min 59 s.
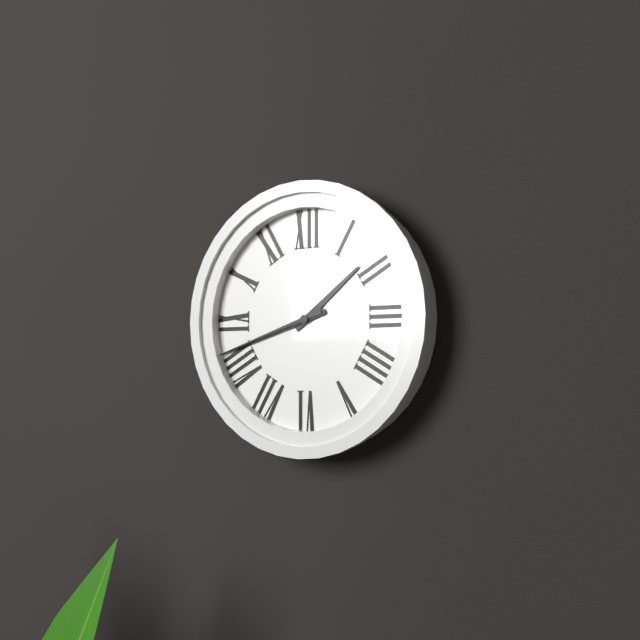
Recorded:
1 h 42 min 42 s
